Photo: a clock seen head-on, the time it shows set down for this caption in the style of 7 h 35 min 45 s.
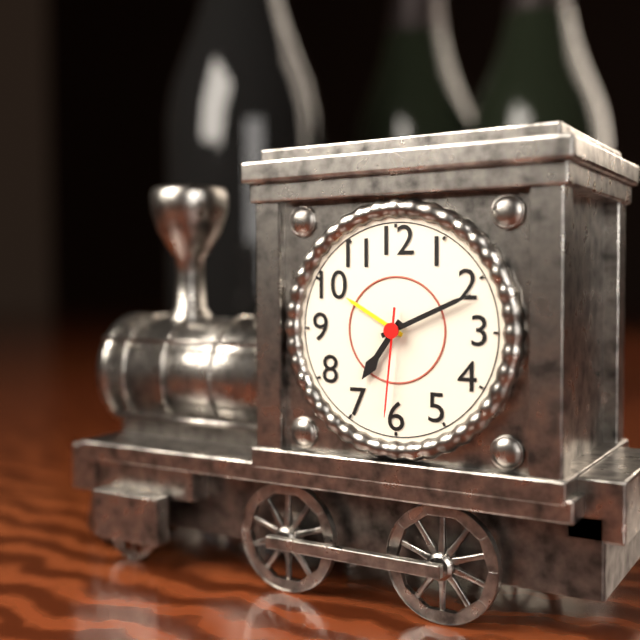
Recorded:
7 h 11 min 31 s
